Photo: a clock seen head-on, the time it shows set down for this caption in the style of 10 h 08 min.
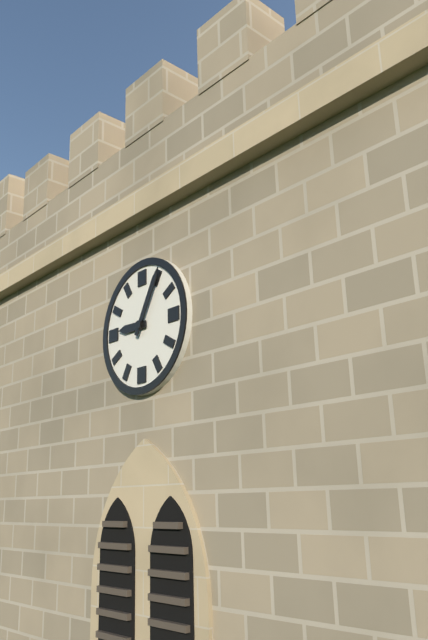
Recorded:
9 h 05 min
